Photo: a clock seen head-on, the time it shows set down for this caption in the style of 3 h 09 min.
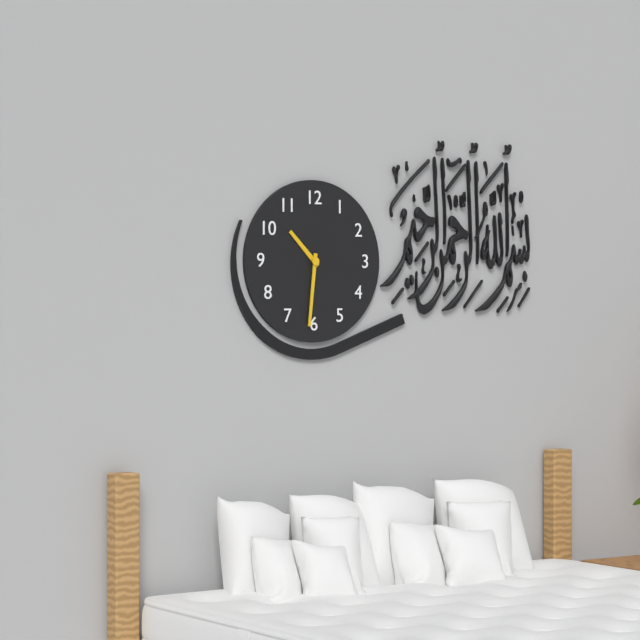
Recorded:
10 h 31 min
